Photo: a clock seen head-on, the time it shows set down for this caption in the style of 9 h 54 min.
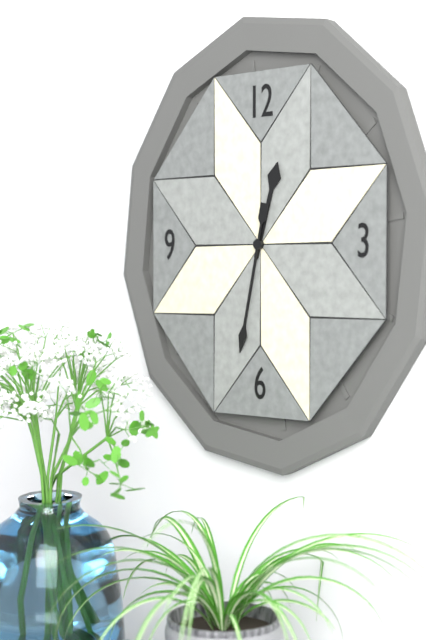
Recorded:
12 h 32 min
